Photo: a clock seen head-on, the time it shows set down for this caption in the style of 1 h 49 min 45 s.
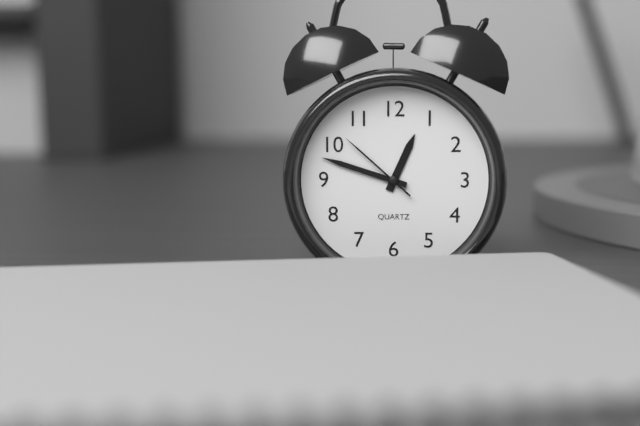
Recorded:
12 h 48 min 52 s
